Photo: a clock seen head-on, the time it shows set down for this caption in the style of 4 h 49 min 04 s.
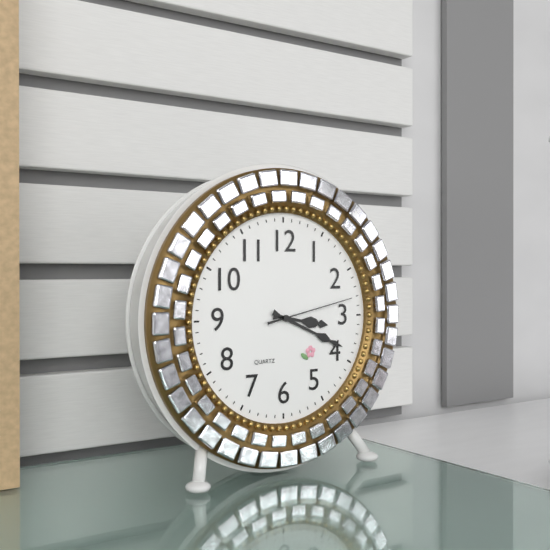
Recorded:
3 h 19 min 13 s
